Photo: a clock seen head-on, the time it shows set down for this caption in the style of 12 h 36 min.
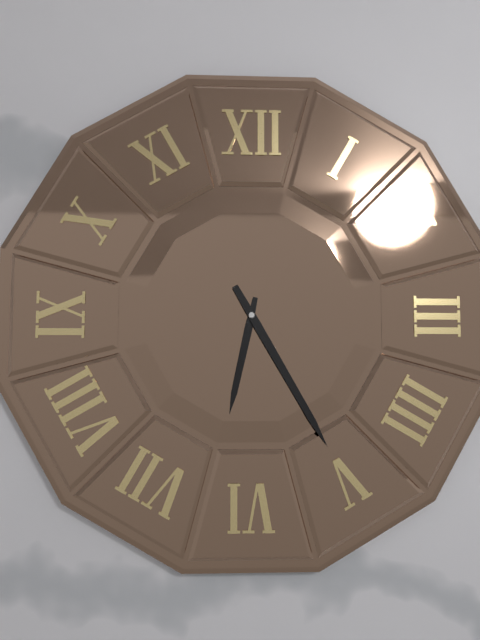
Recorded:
6 h 25 min
